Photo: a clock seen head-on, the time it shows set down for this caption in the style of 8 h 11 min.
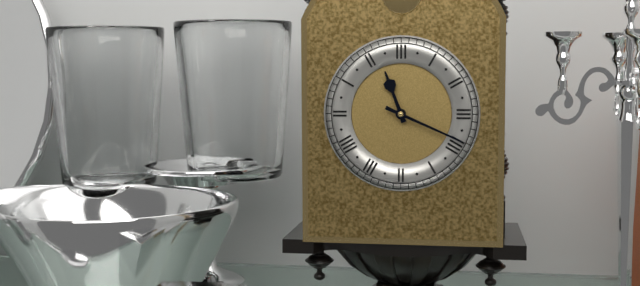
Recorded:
11 h 19 min
